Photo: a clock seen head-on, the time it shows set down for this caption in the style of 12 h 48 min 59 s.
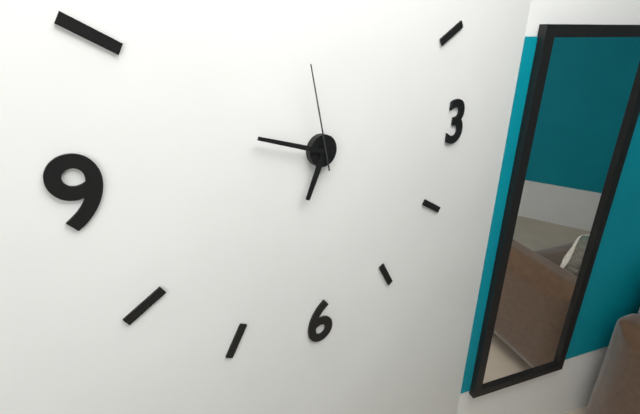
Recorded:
6 h 48 min 58 s
